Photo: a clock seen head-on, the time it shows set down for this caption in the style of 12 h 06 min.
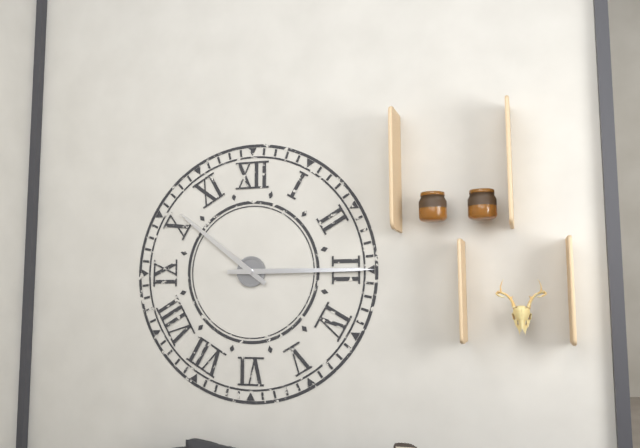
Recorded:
10 h 15 min
